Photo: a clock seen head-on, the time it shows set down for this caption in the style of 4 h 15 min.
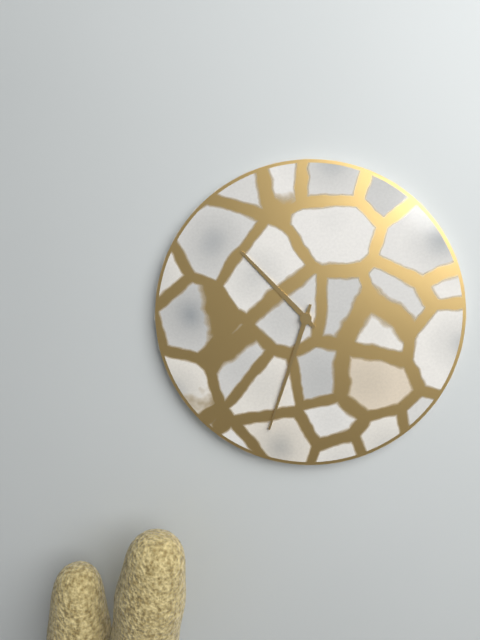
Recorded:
10 h 33 min
